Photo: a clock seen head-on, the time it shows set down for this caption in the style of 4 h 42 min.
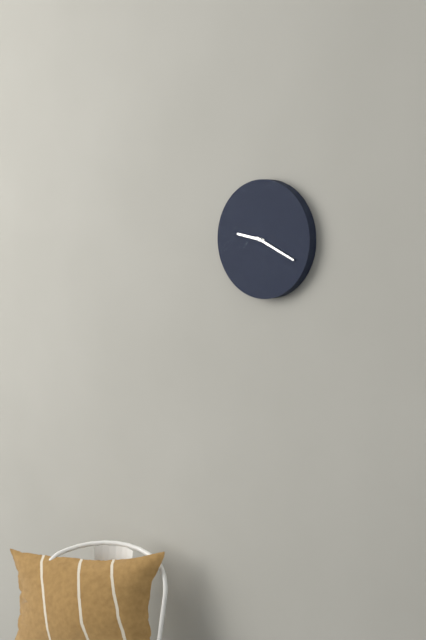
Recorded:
9 h 19 min
